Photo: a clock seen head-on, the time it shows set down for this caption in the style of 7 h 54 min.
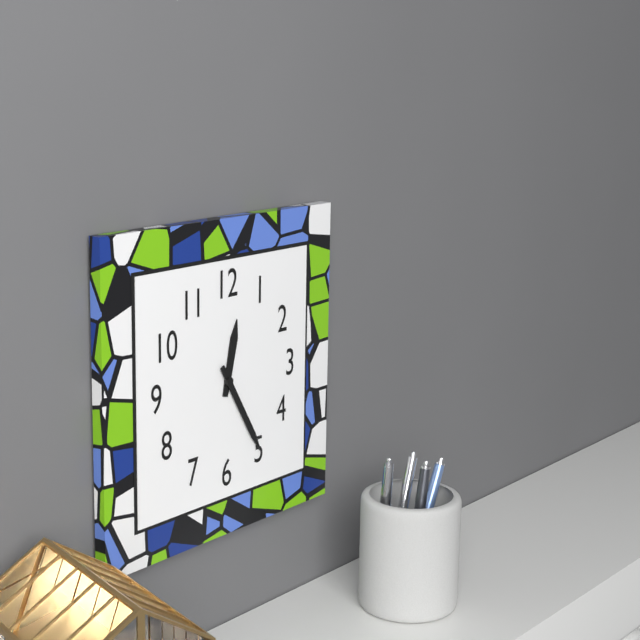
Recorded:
12 h 25 min
